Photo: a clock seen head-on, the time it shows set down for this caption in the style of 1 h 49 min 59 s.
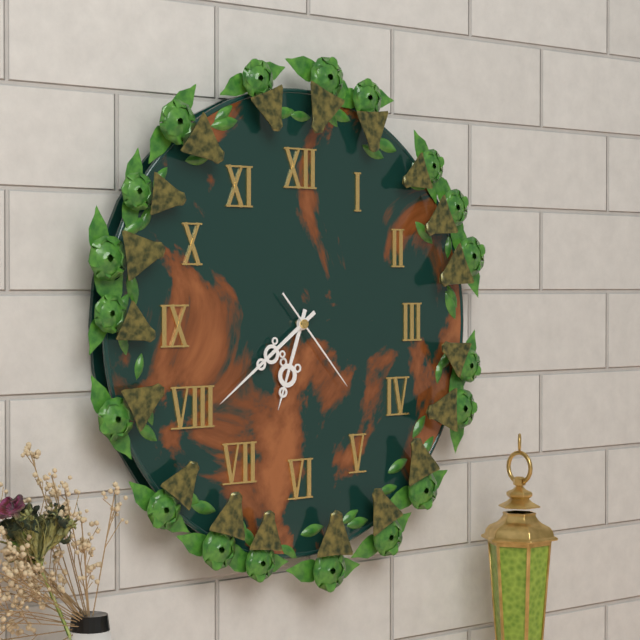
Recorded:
6 h 39 min 23 s
